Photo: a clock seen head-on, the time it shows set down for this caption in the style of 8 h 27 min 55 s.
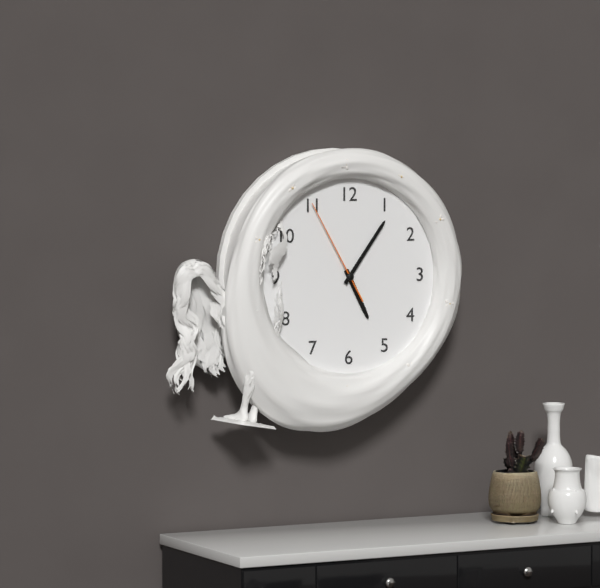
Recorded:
5 h 06 min 55 s
